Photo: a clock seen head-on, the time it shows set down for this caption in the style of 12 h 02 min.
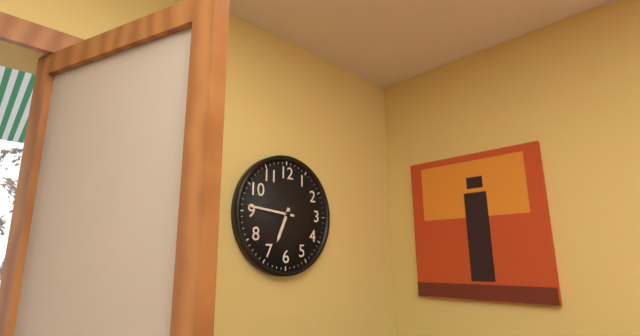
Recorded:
6 h 46 min
